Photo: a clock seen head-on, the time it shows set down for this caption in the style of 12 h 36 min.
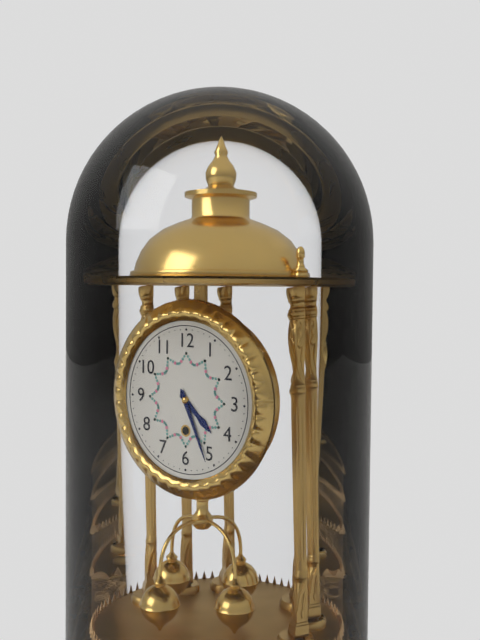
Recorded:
4 h 26 min
